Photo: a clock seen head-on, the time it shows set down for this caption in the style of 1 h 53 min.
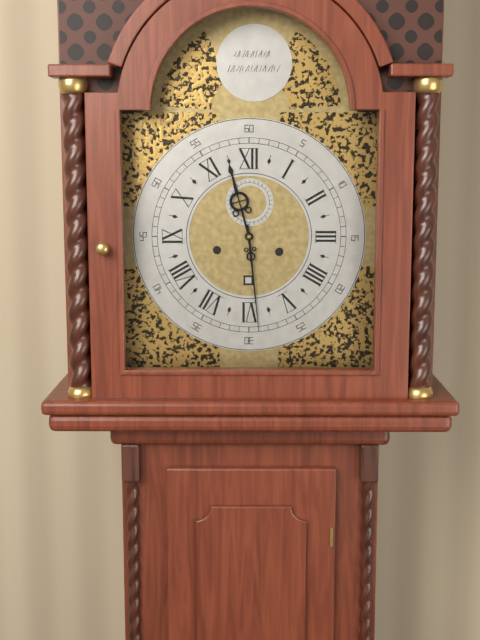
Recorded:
11 h 29 min
